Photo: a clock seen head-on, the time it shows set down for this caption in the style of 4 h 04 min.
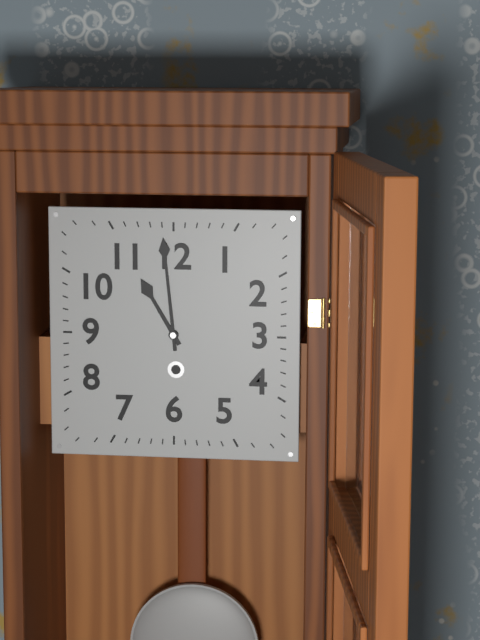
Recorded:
10 h 59 min
